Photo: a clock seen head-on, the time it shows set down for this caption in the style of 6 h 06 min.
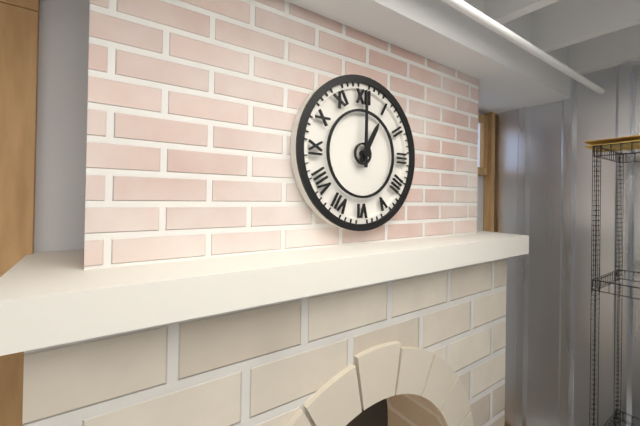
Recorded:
1 h 00 min
